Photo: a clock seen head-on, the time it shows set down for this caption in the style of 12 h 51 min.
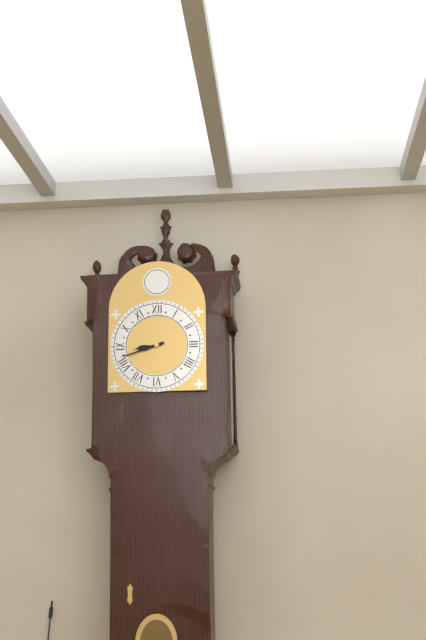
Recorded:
8 h 42 min
